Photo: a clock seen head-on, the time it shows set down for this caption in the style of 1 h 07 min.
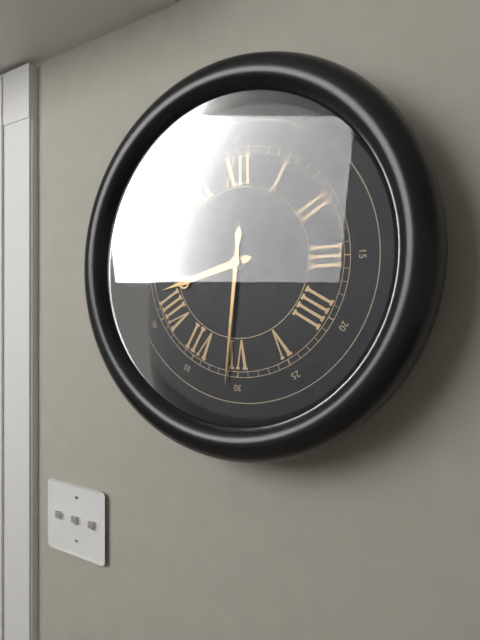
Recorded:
8 h 31 min
